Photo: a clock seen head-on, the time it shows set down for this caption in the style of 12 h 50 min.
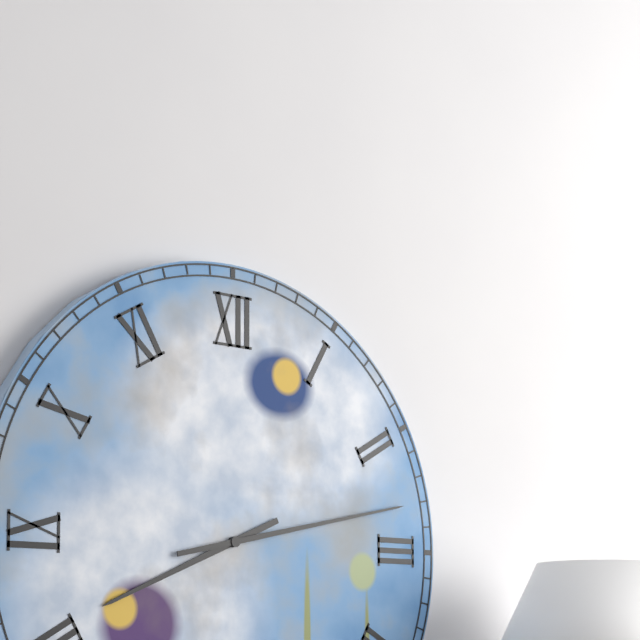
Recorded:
8 h 13 min
